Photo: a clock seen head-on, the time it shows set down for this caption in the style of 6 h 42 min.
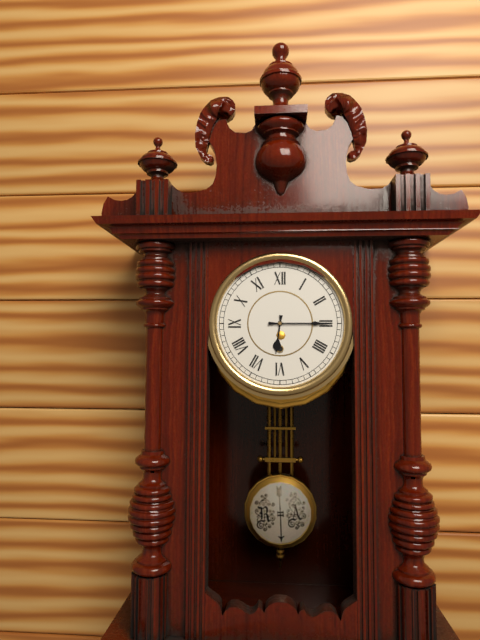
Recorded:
6 h 15 min
